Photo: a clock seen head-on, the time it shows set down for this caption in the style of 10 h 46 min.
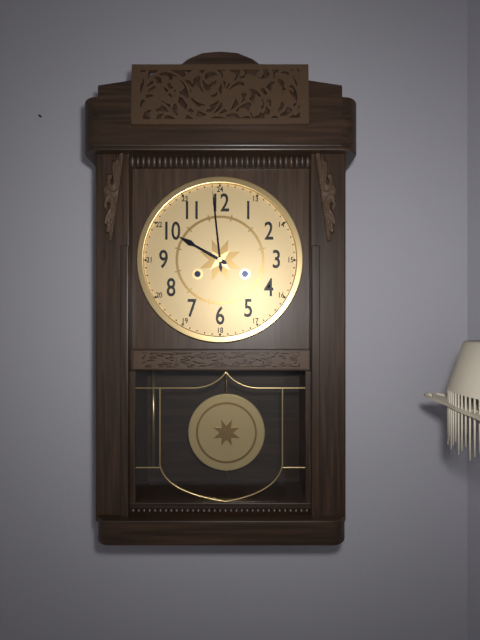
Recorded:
9 h 59 min
